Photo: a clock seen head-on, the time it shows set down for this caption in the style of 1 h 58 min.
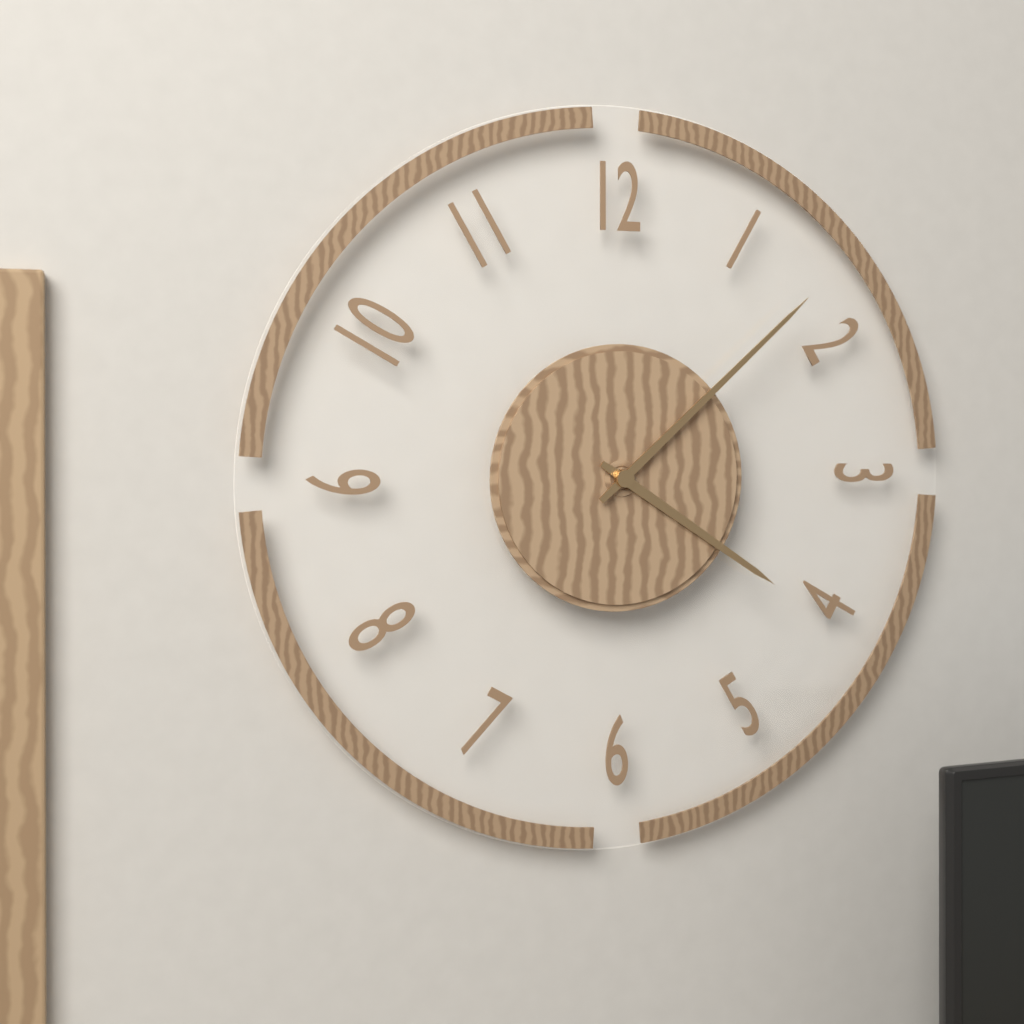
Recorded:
4 h 08 min
